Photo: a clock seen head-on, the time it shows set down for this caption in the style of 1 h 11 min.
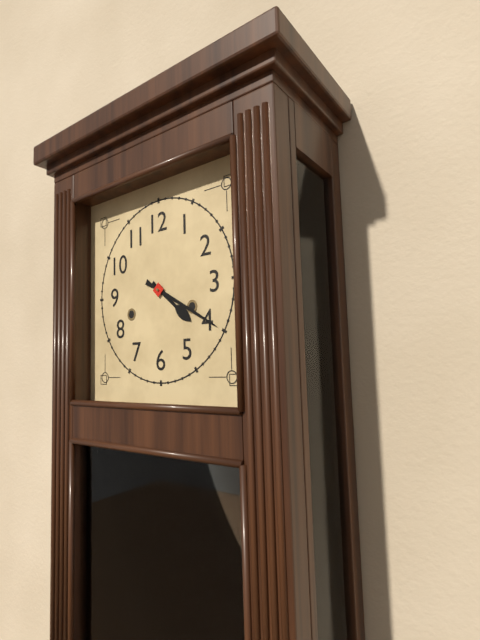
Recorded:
4 h 20 min
